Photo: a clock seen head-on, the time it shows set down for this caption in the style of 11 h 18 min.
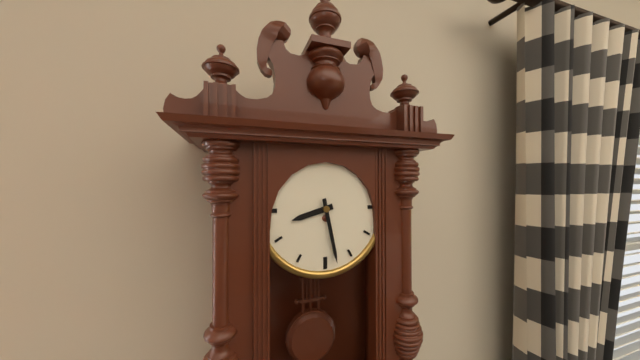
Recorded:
8 h 28 min
